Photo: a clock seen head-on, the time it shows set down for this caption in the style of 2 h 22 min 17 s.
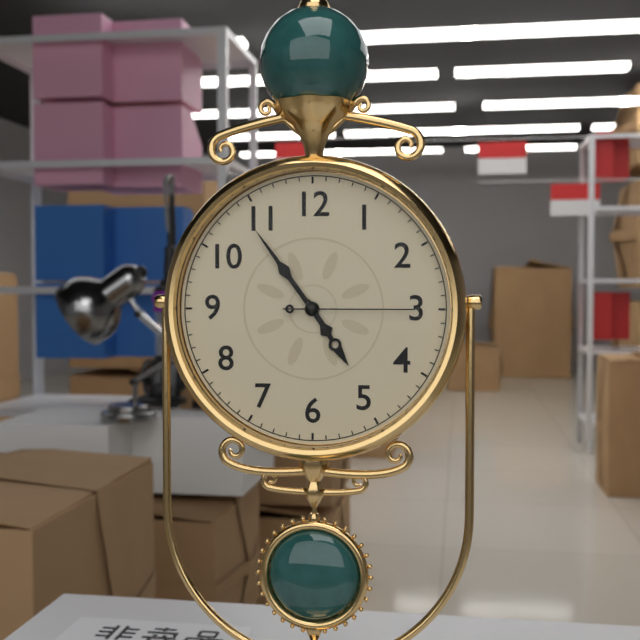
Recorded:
4 h 54 min 15 s
